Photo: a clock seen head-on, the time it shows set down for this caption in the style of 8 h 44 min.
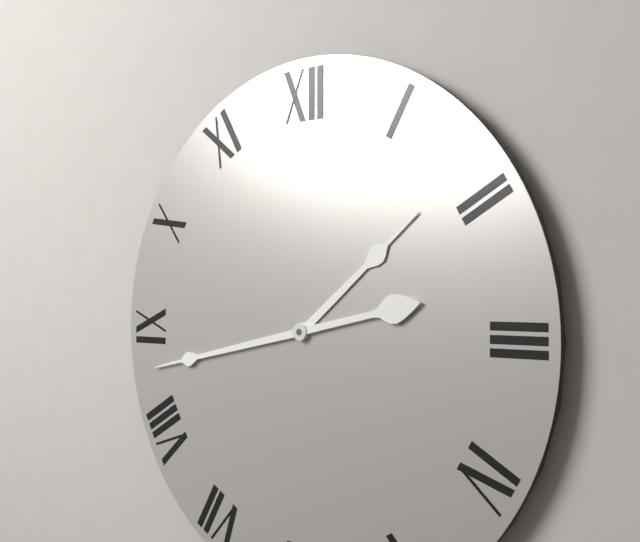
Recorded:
1 h 43 min
